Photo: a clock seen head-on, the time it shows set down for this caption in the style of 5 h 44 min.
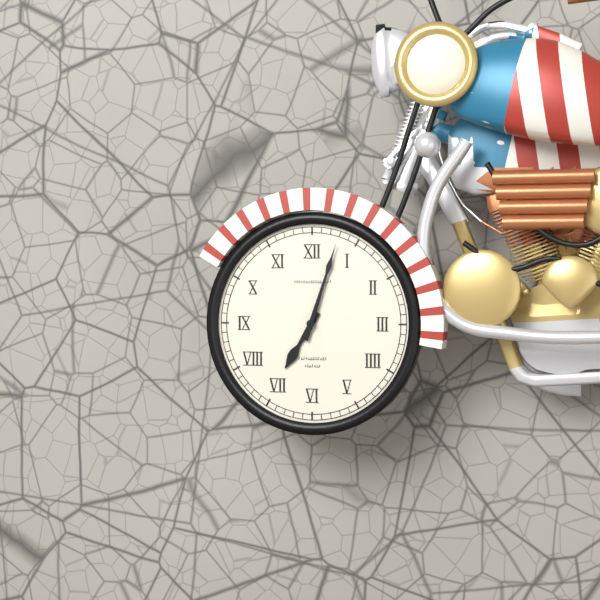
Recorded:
7 h 03 min
